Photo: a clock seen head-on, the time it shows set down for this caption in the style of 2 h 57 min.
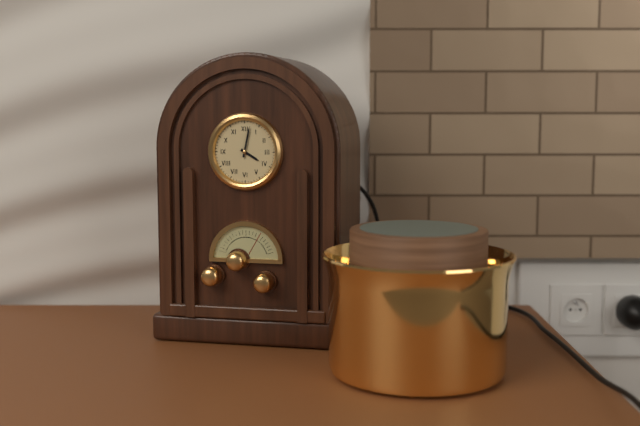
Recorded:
4 h 02 min
